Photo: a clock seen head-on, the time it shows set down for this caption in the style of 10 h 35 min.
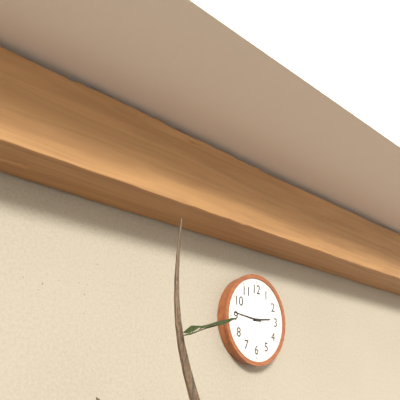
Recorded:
2 h 46 min
